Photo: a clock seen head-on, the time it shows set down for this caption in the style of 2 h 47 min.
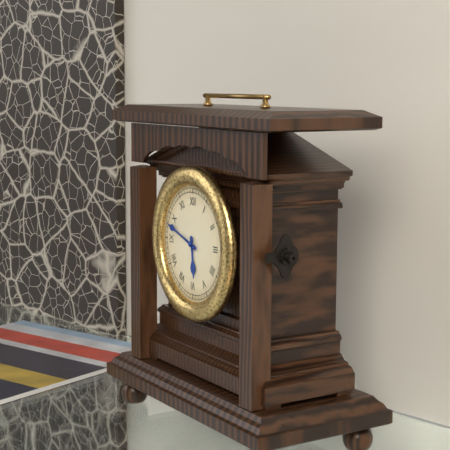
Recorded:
5 h 48 min
